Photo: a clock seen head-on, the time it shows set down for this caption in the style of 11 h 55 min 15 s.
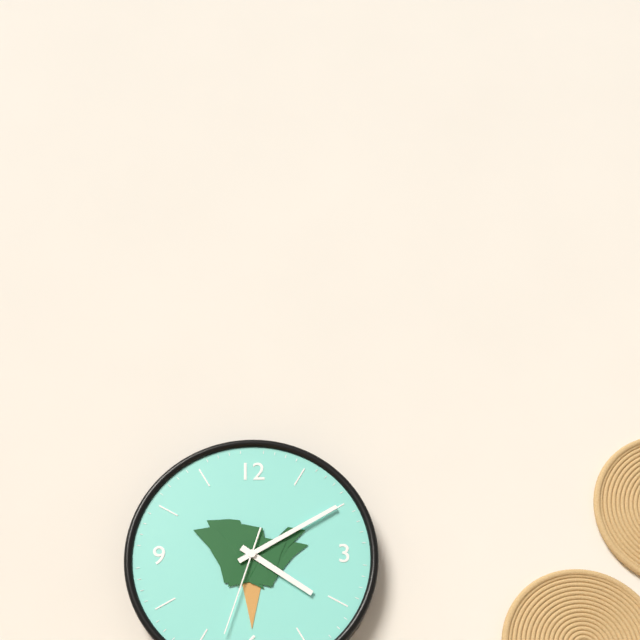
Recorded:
4 h 10 min 33 s
